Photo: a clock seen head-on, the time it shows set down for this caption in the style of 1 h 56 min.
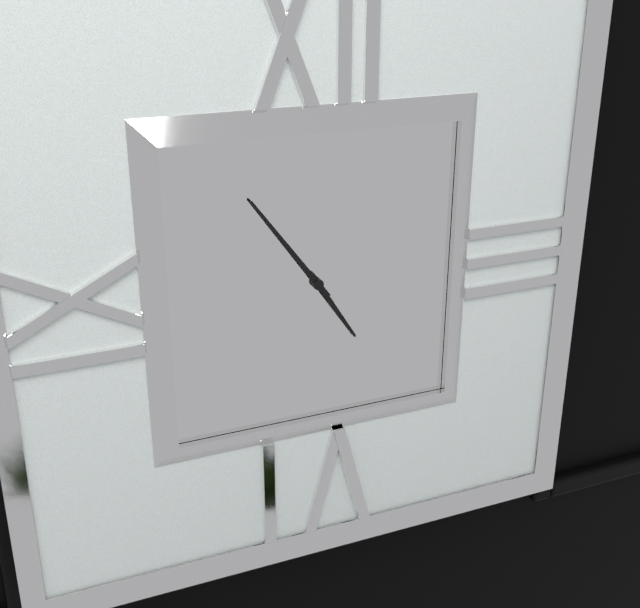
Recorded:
4 h 54 min
